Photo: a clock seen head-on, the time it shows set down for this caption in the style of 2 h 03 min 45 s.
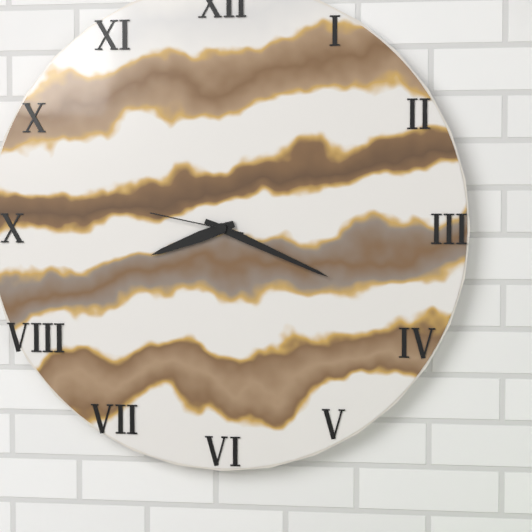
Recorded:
8 h 19 min 47 s
